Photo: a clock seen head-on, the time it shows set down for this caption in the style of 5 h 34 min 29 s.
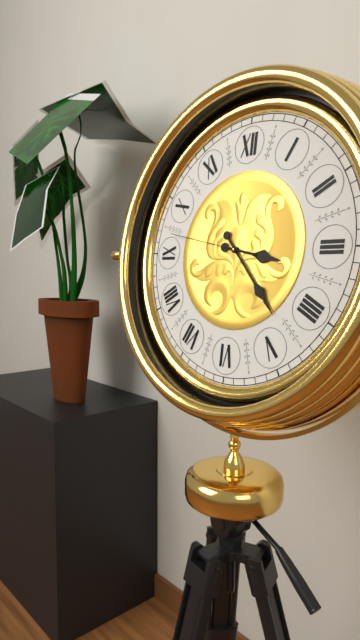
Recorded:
3 h 23 min 47 s
